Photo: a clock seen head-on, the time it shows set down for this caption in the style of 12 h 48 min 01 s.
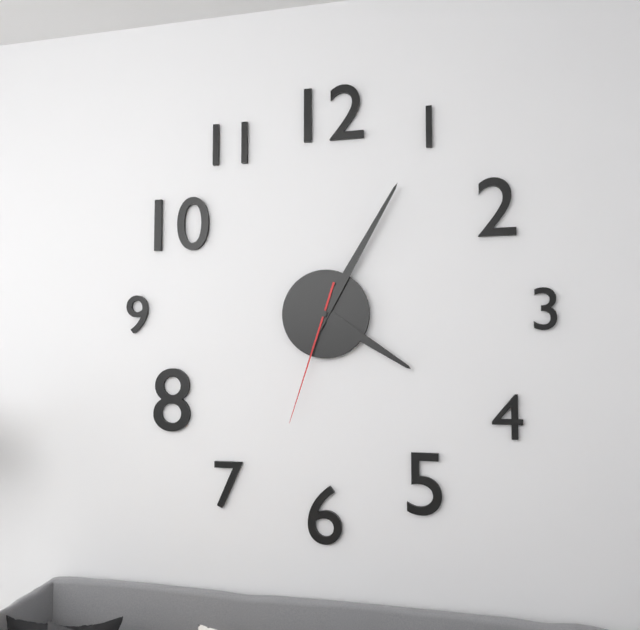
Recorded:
4 h 05 min 33 s
